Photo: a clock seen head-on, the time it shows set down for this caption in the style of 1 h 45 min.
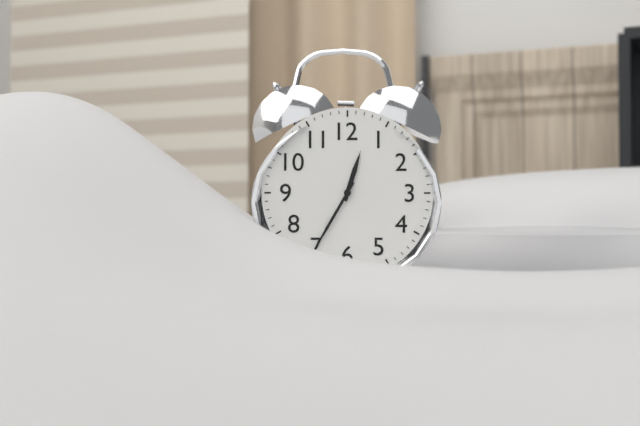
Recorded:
12 h 35 min
